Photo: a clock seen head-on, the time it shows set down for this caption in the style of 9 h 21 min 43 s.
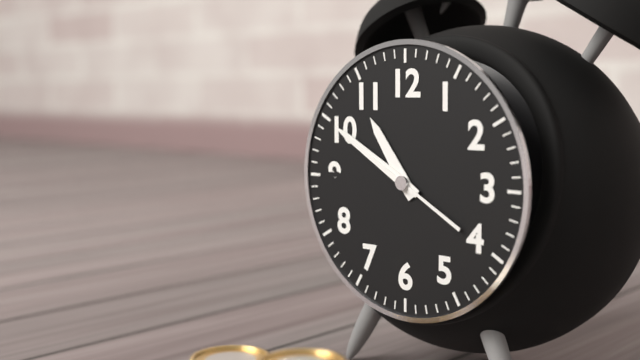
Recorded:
10 h 50 min 50 s
